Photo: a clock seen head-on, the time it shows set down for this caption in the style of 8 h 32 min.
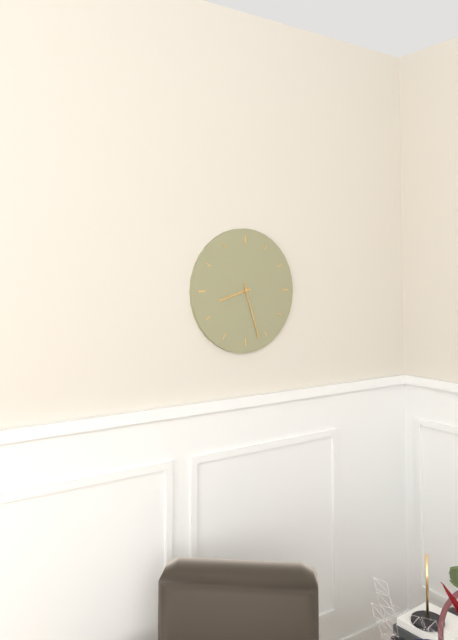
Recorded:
8 h 27 min
